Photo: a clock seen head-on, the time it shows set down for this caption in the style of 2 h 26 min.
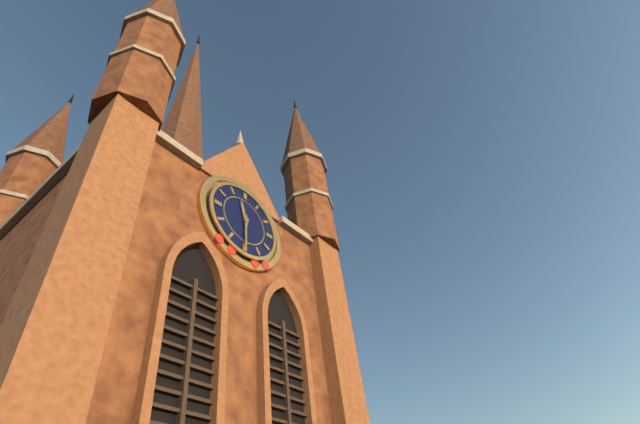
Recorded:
11 h 30 min
